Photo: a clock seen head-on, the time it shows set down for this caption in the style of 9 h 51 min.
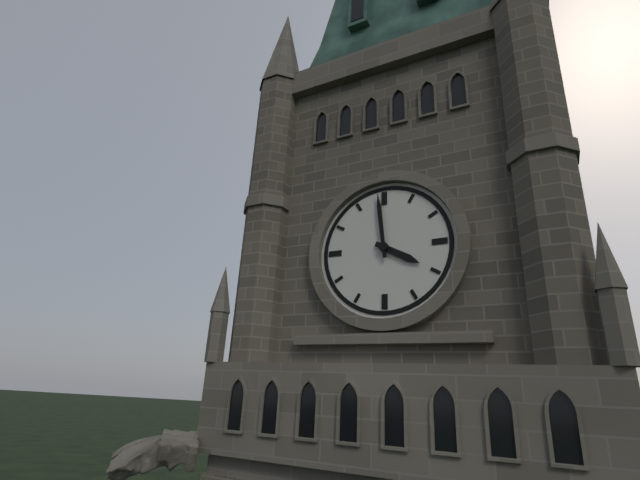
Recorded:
3 h 59 min
